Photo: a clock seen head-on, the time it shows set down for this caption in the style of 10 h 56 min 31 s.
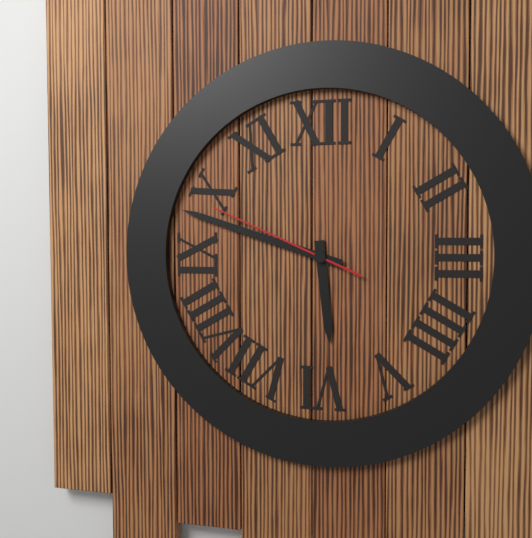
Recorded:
5 h 48 min 49 s
